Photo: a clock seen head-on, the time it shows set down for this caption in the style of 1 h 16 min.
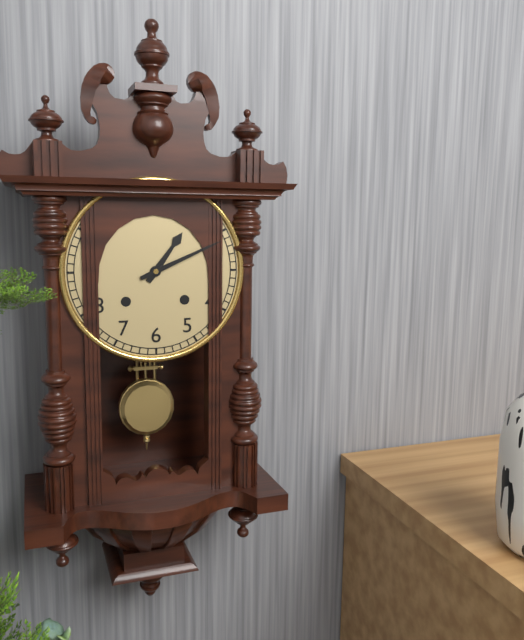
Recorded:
1 h 11 min
